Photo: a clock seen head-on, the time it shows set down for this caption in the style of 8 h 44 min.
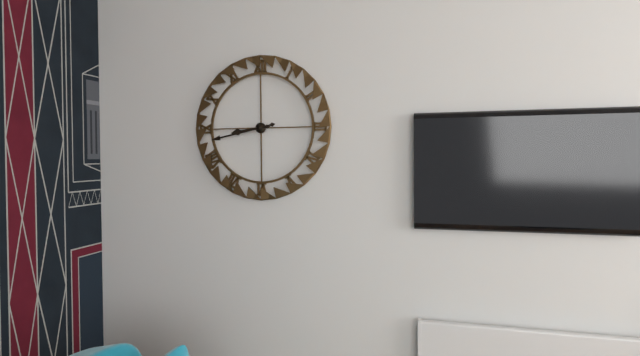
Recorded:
8 h 43 min
